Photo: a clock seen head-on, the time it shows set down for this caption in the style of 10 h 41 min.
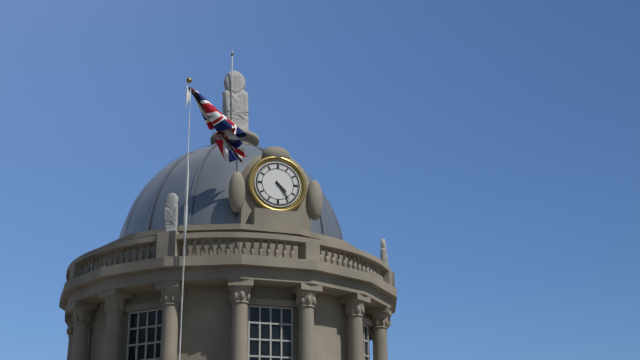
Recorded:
4 h 24 min
